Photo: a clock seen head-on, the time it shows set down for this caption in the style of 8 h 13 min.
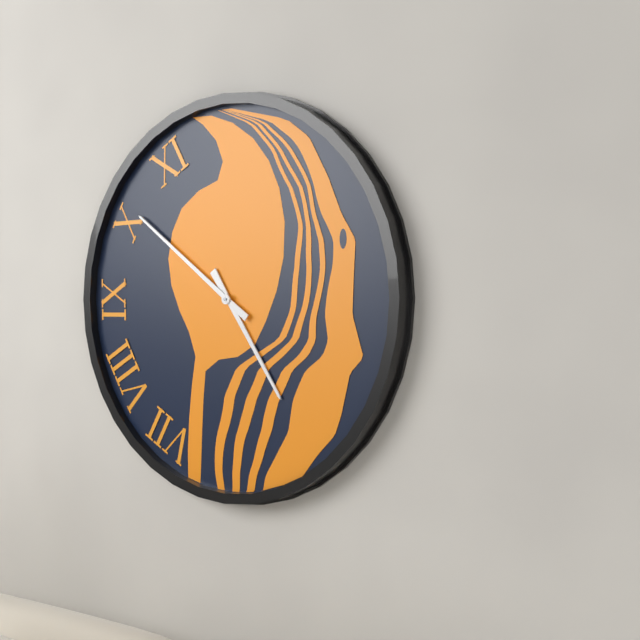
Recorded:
4 h 51 min
